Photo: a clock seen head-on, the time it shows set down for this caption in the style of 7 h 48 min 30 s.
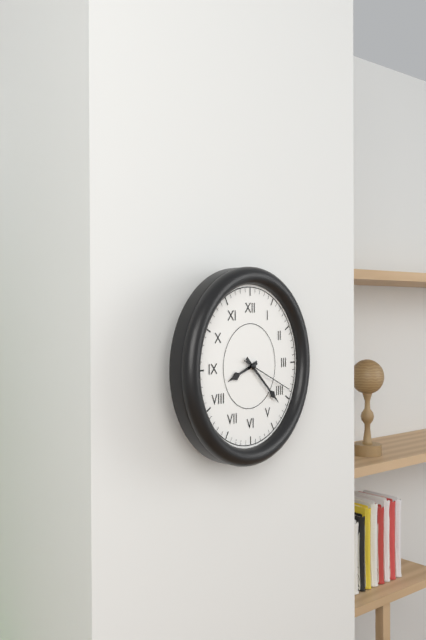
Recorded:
8 h 22 min 19 s
